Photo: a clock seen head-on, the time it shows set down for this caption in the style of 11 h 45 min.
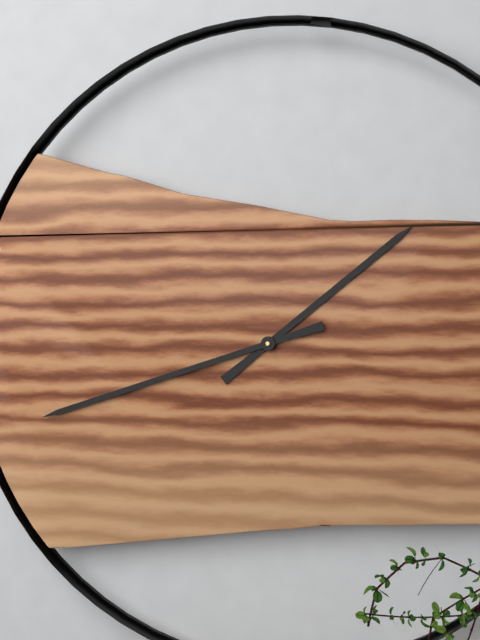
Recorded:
1 h 42 min
